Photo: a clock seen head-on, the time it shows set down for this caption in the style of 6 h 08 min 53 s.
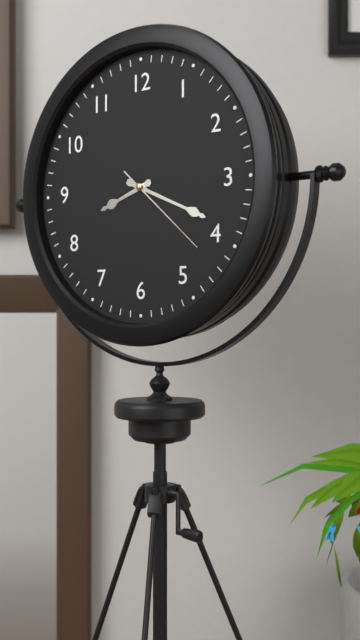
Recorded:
8 h 19 min 22 s
